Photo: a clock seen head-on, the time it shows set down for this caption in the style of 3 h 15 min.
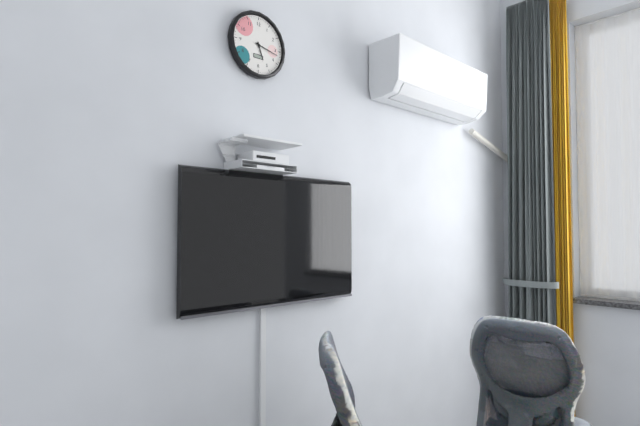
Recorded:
5 h 17 min
